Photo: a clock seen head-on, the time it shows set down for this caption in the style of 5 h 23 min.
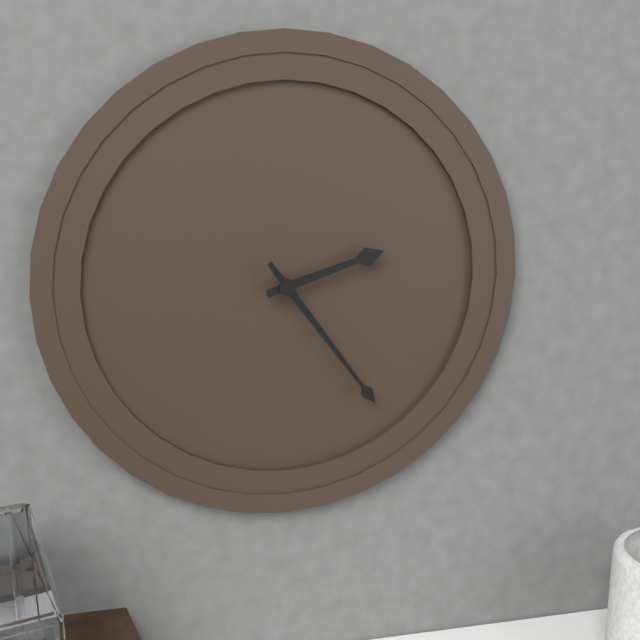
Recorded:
2 h 24 min
